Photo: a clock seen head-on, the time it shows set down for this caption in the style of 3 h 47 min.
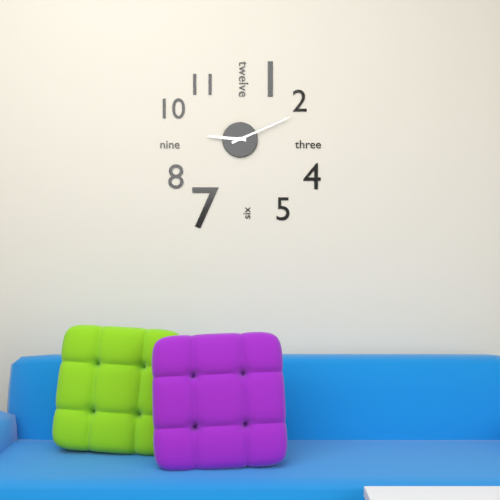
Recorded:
9 h 11 min
